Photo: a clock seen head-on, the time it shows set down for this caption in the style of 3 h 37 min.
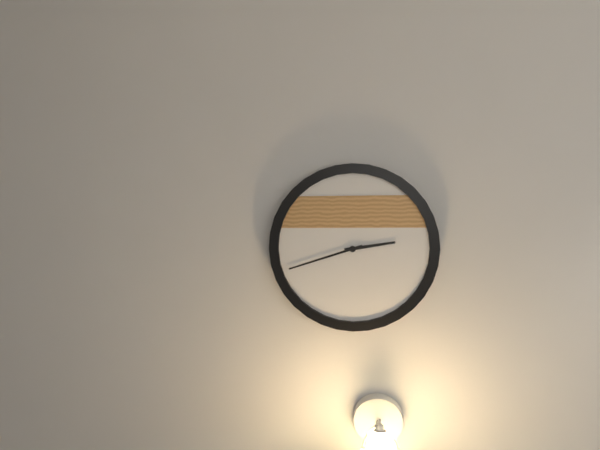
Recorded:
2 h 42 min
